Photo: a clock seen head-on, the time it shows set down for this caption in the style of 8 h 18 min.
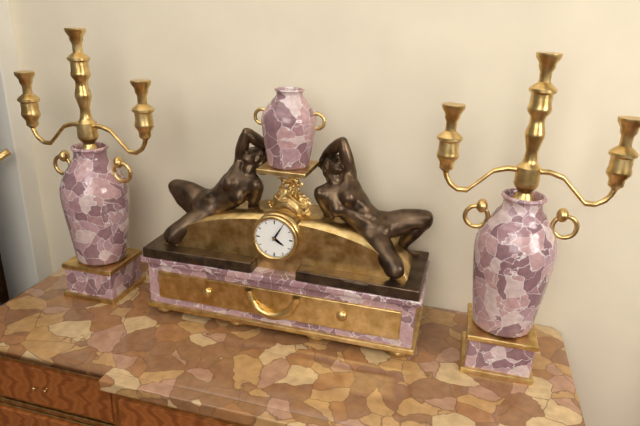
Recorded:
4 h 05 min
